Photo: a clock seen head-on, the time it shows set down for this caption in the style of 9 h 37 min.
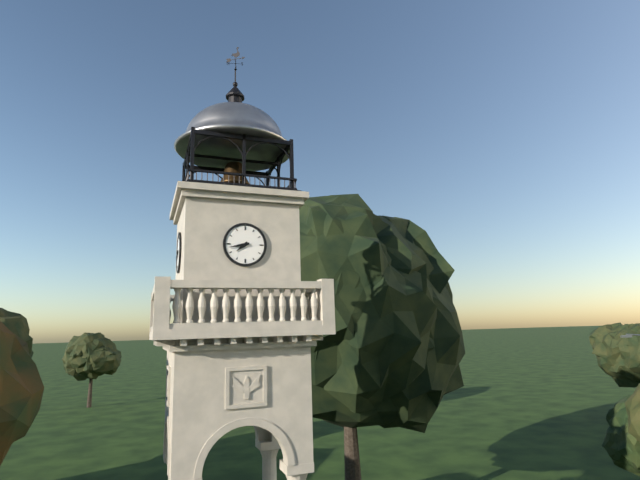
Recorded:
7 h 43 min
